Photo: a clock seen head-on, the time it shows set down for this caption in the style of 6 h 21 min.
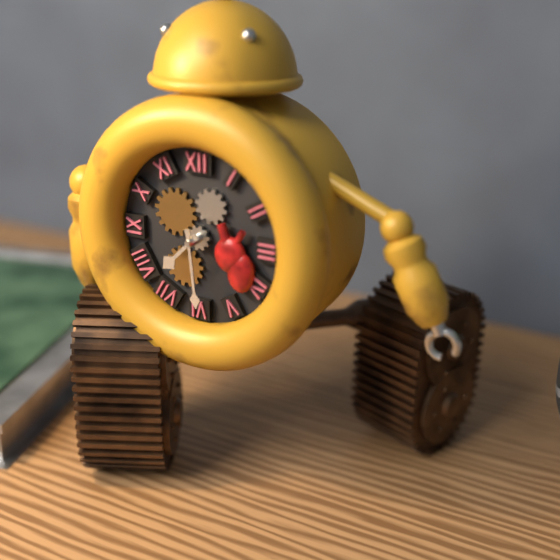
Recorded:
7 h 29 min
